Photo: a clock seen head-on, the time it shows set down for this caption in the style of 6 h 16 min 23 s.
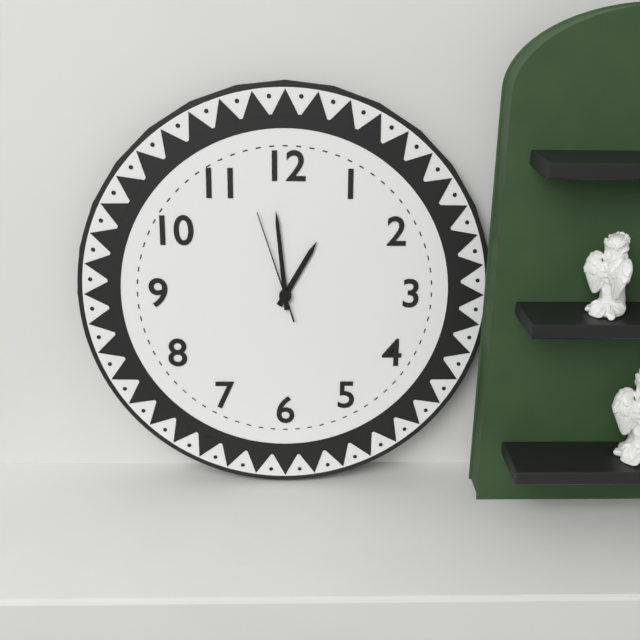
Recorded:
12 h 59 min 57 s
